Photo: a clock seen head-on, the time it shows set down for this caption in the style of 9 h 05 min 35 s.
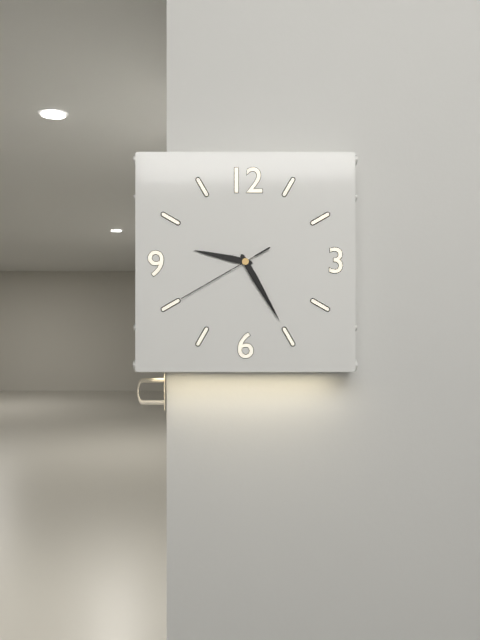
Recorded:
9 h 25 min 40 s
